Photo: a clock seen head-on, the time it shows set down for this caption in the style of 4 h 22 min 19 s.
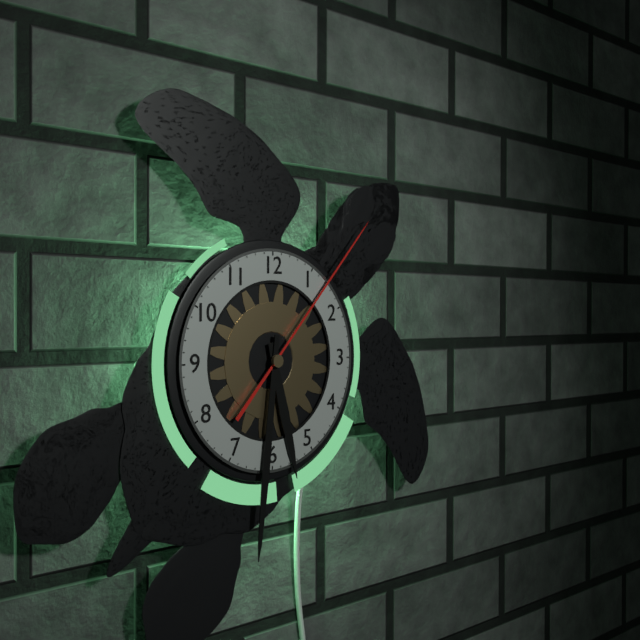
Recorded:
5 h 31 min 07 s
